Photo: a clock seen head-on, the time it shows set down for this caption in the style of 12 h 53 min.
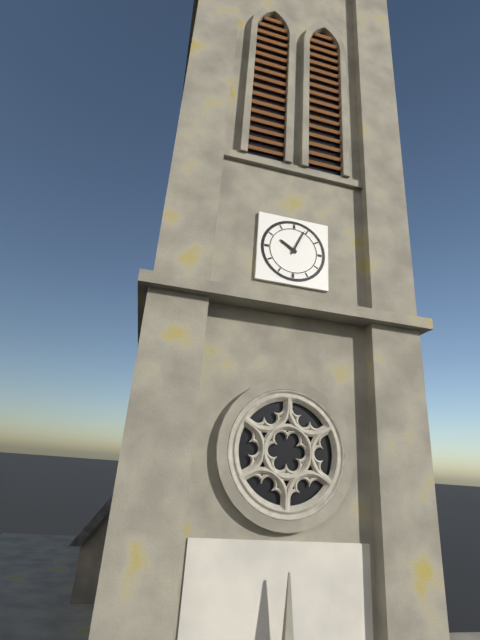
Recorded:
10 h 04 min
